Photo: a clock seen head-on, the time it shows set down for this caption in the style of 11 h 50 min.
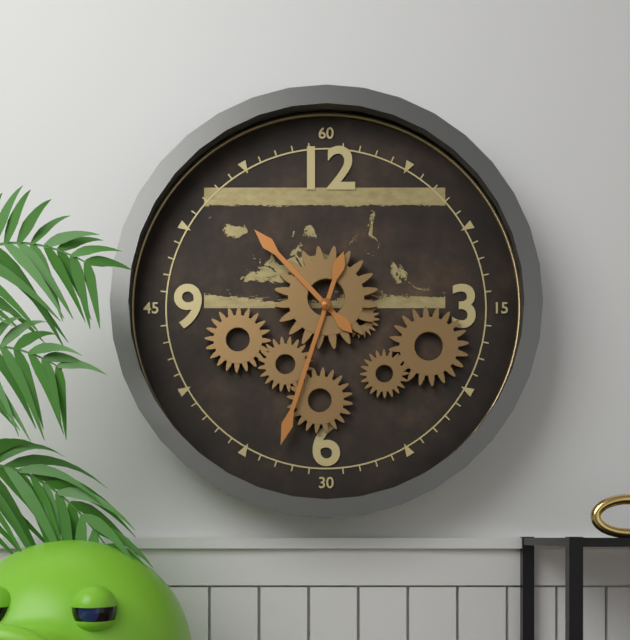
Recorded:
10 h 33 min
